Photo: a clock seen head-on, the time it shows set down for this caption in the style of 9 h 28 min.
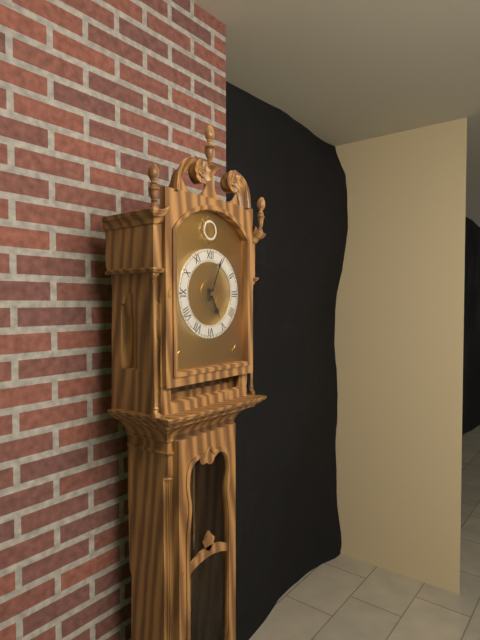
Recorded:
5 h 04 min
